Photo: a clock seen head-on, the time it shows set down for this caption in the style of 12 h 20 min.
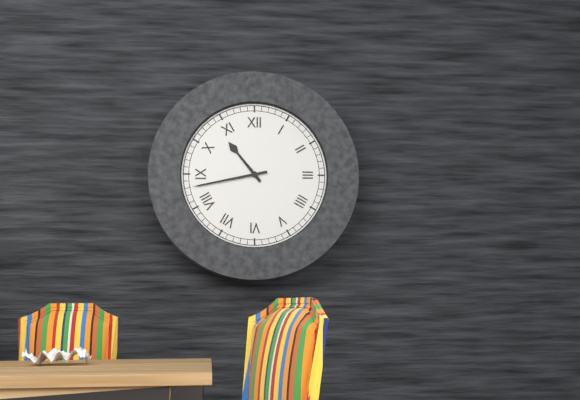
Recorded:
10 h 43 min
